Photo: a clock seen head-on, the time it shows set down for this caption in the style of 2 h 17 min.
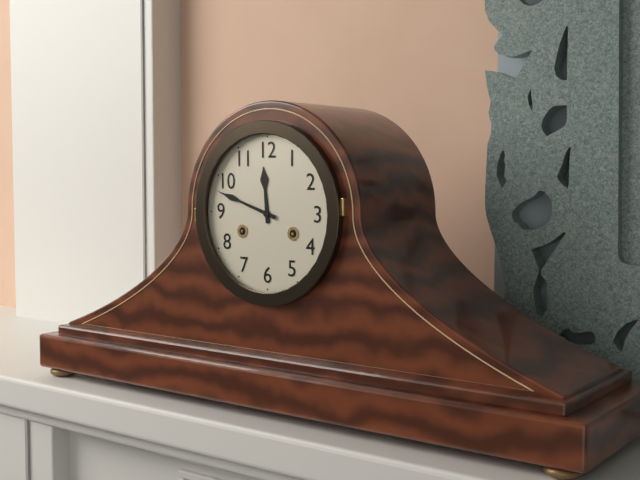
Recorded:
11 h 48 min
